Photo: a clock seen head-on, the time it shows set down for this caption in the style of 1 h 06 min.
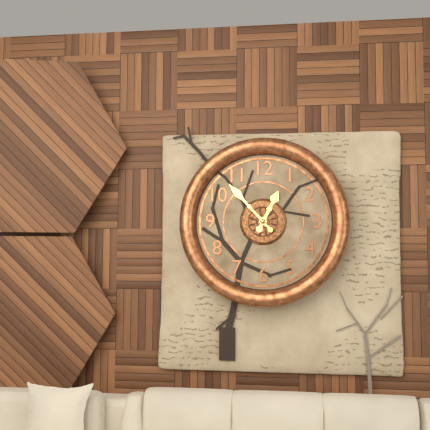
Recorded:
12 h 53 min
